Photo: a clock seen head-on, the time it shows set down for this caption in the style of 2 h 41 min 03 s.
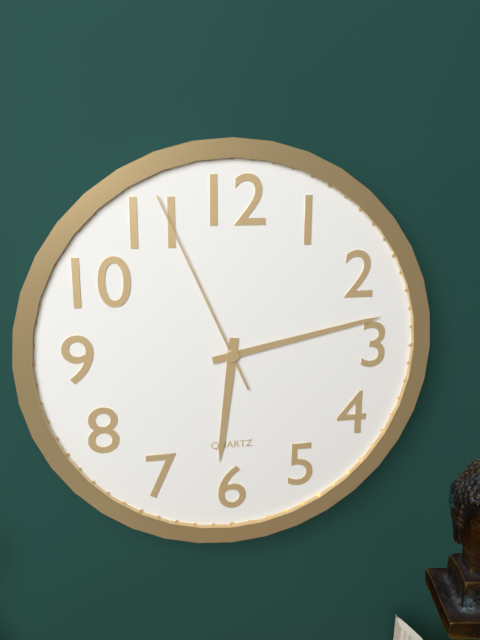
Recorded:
6 h 13 min 56 s
